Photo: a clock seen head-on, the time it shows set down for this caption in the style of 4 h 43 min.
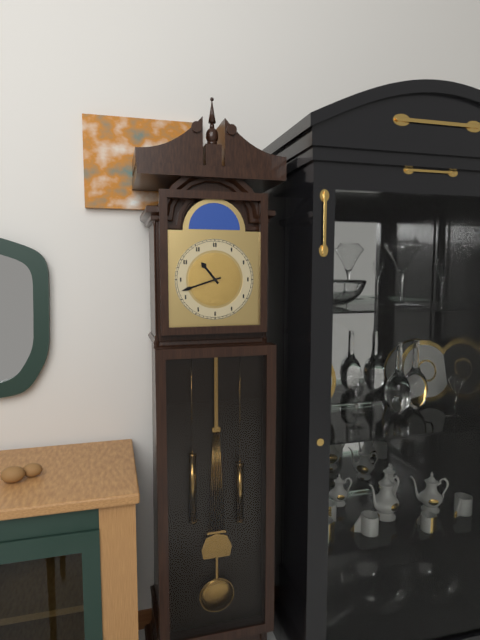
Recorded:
10 h 42 min
